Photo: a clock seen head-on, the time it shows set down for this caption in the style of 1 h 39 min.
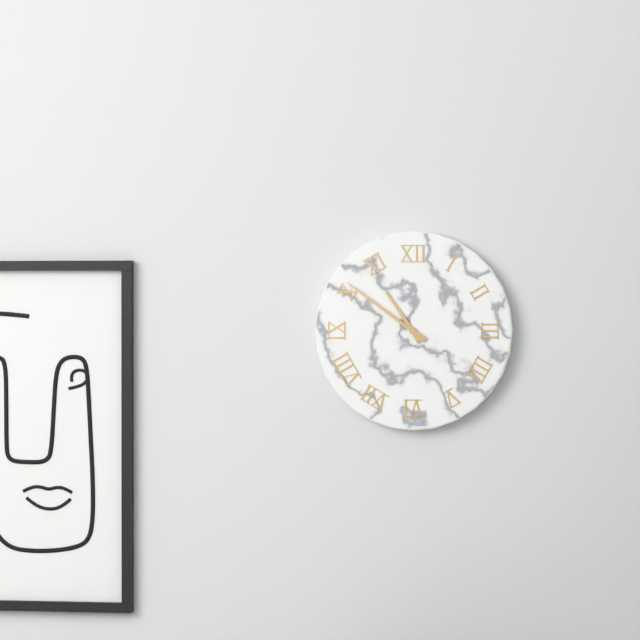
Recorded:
10 h 51 min
